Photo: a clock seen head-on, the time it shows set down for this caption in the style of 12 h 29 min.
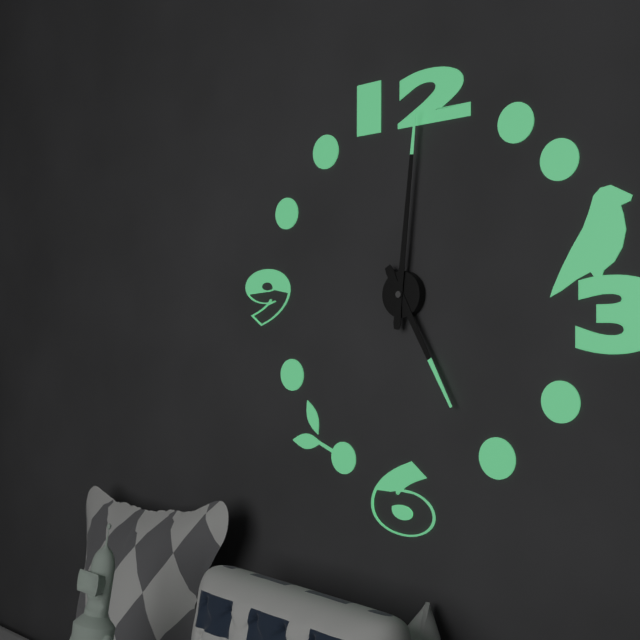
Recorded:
5 h 01 min
